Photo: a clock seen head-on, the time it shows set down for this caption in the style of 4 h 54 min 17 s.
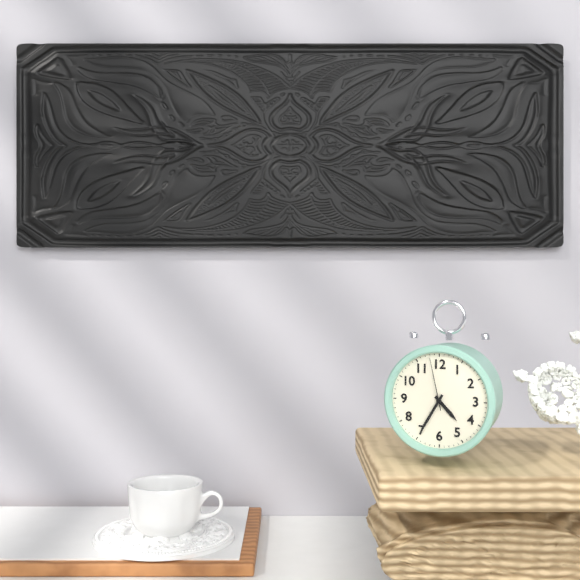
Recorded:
4 h 35 min 58 s
